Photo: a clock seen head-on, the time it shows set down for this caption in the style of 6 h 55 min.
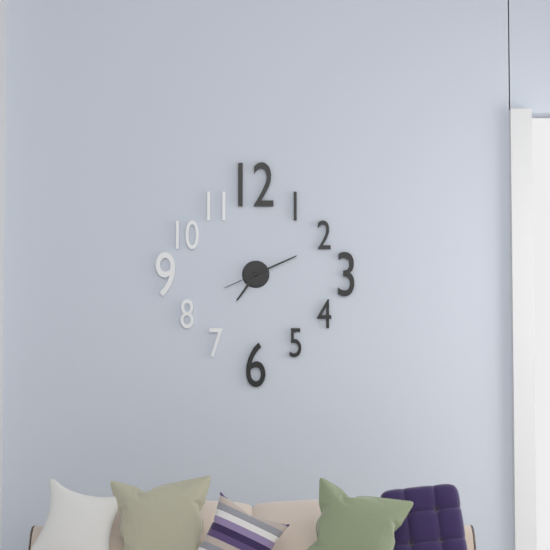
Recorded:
7 h 11 min
